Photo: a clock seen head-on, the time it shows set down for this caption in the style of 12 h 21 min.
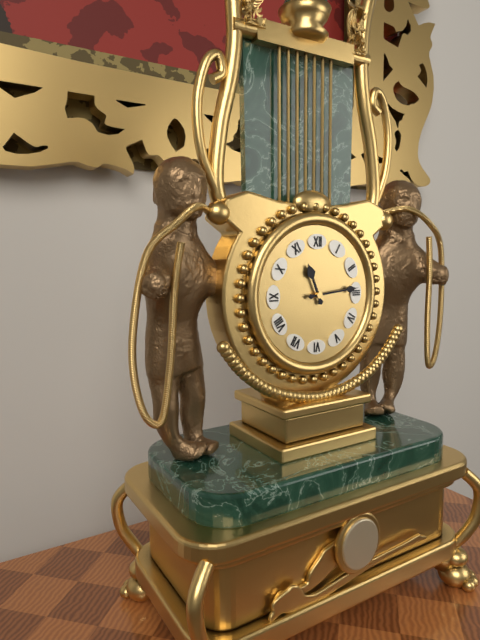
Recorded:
11 h 14 min
